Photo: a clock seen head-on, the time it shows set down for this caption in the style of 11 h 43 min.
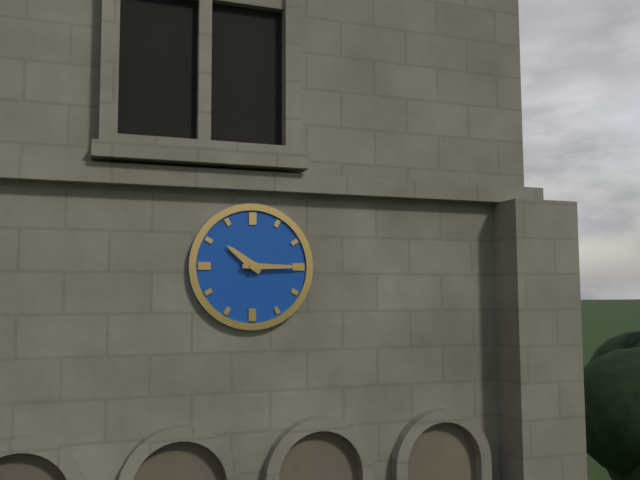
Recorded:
10 h 15 min
